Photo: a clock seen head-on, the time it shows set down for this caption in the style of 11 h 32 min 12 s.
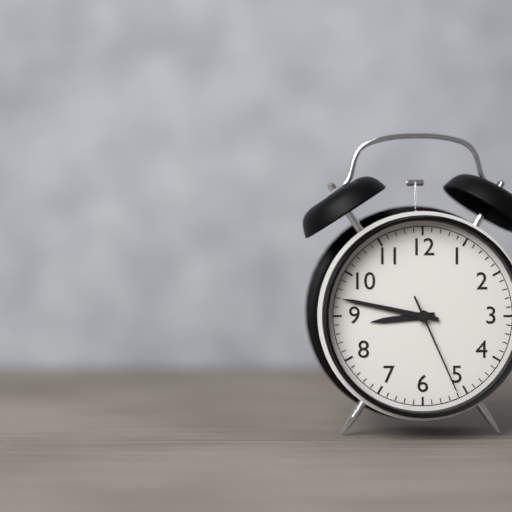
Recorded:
8 h 47 min 26 s
